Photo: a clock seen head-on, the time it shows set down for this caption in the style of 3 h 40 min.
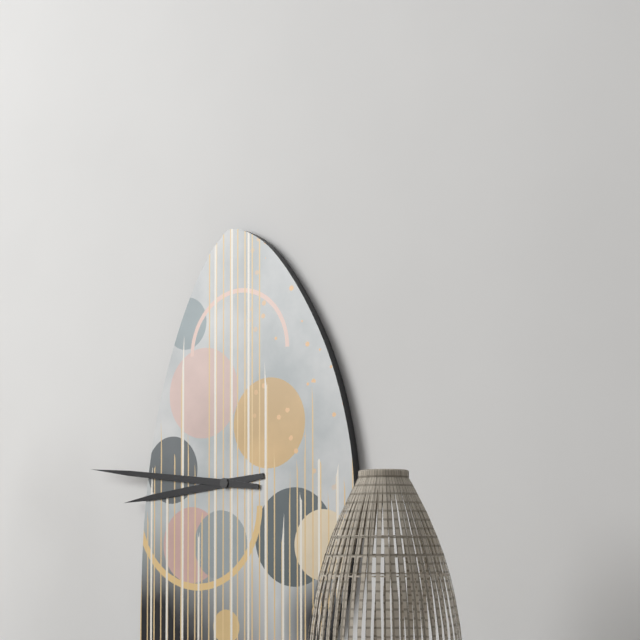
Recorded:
8 h 46 min
